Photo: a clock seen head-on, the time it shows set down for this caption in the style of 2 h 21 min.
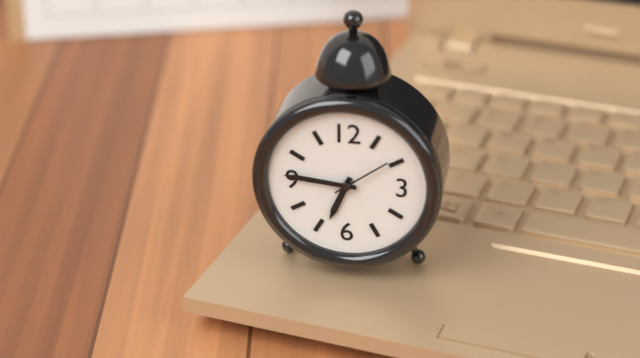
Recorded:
6 h 46 min
